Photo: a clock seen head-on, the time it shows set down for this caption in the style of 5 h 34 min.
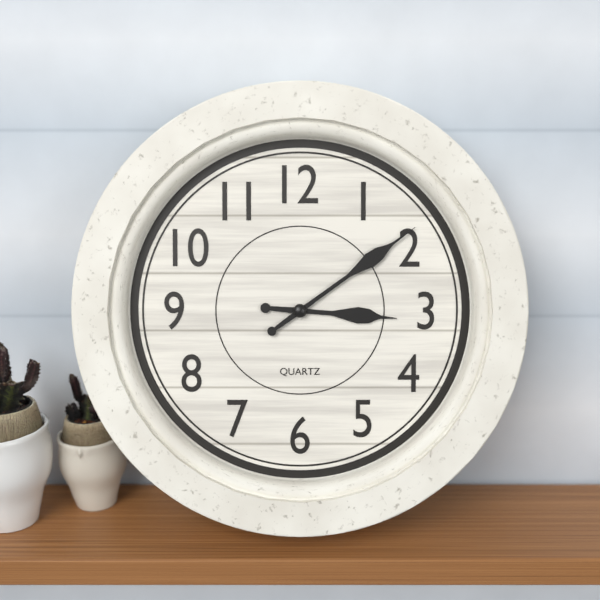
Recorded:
3 h 09 min
